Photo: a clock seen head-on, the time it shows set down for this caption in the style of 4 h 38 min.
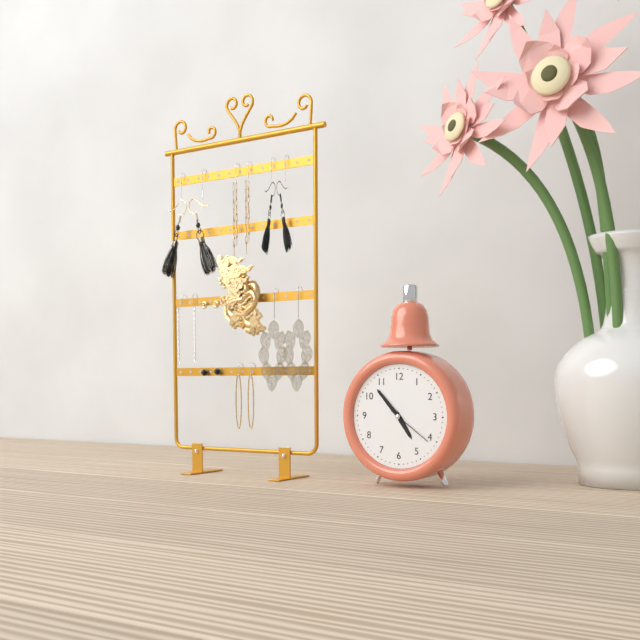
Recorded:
4 h 53 min
